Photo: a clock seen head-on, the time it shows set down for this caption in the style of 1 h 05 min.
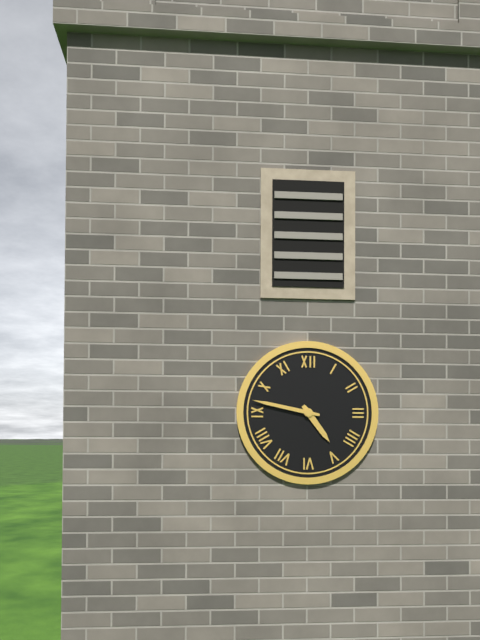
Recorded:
4 h 47 min
